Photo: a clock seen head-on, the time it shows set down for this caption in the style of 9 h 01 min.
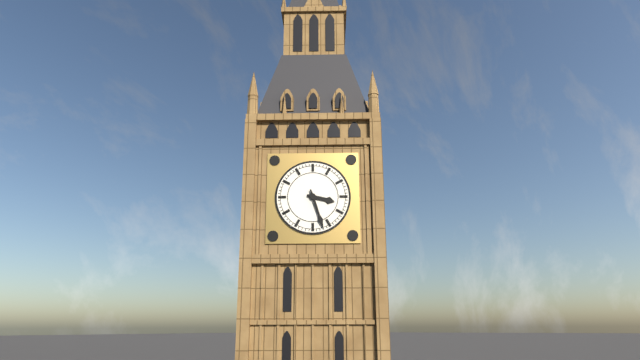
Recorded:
3 h 27 min
